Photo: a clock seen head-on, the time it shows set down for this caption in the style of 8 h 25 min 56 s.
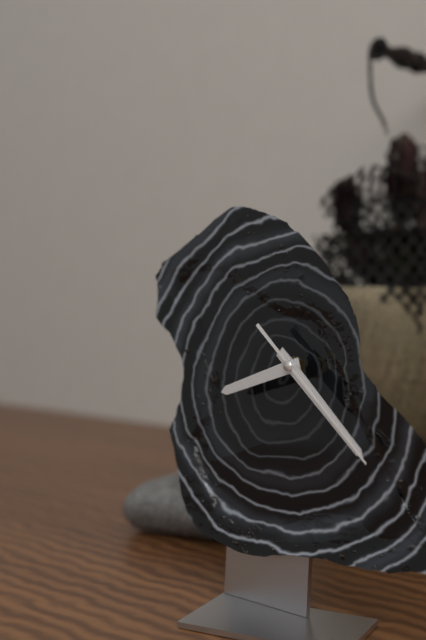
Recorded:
8 h 22 min 22 s
